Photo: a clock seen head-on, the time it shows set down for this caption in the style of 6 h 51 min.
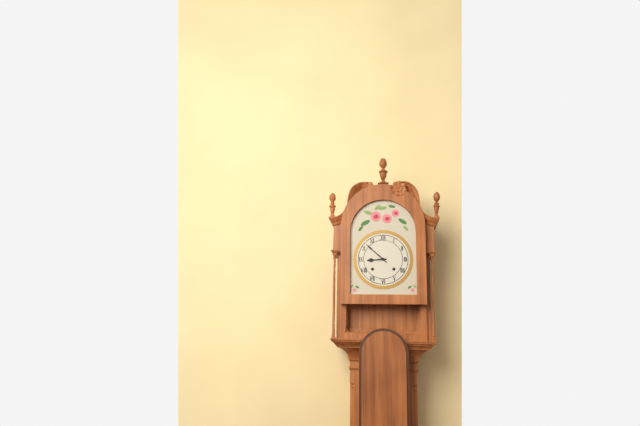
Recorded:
8 h 52 min
